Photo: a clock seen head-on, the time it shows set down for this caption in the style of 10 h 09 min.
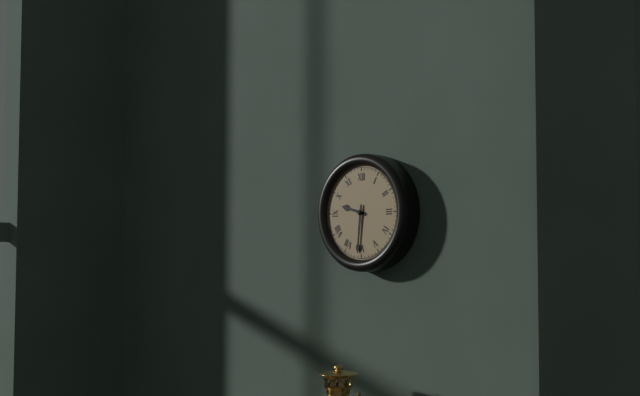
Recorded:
9 h 31 min
